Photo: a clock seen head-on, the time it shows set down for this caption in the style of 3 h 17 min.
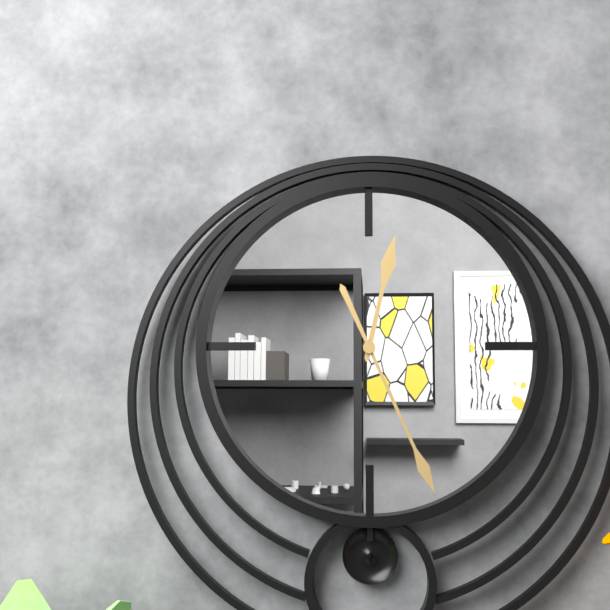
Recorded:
12 h 26 min
